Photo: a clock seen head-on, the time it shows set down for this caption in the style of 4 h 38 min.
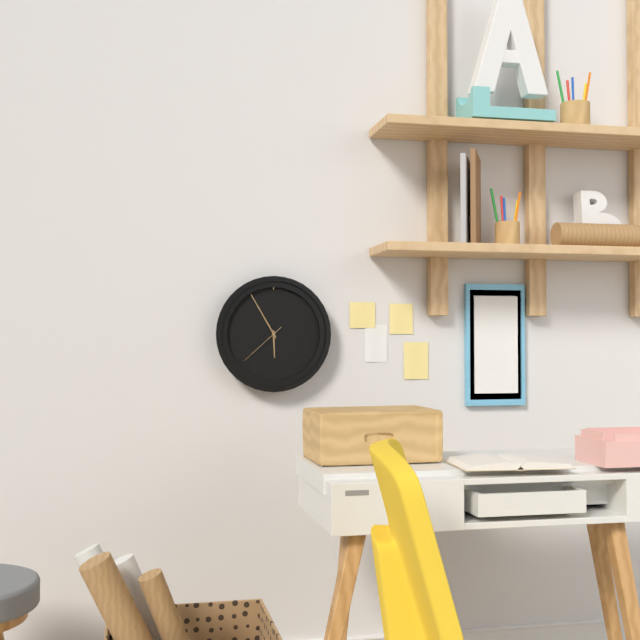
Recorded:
5 h 55 min
